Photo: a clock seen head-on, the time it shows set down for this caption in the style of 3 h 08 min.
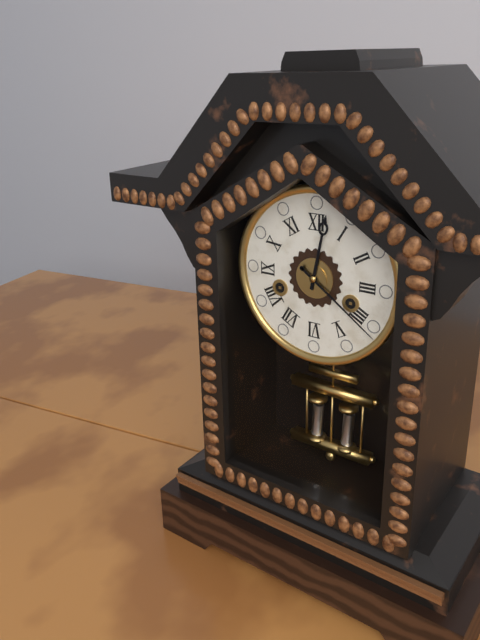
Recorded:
12 h 21 min
